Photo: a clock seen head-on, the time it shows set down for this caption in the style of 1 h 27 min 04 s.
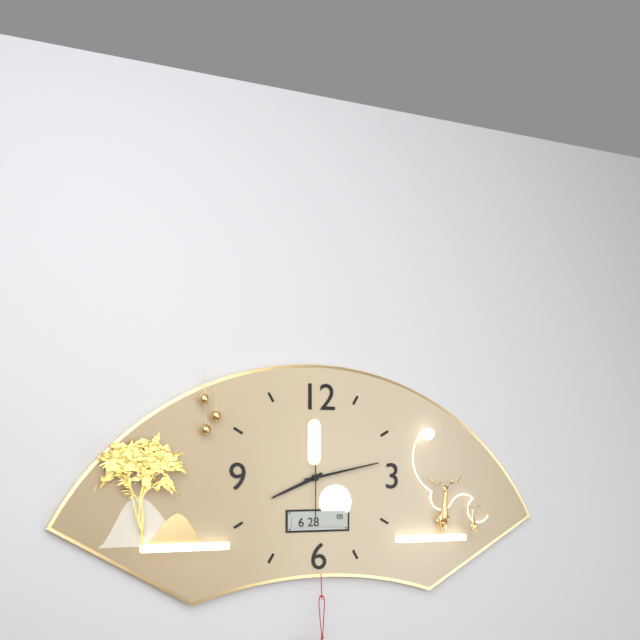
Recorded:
8 h 13 min 30 s
